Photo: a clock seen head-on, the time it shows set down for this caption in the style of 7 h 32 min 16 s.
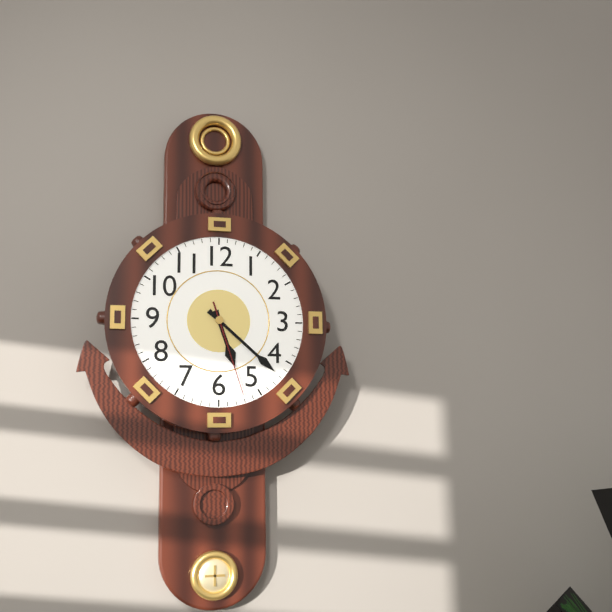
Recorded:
5 h 22 min 27 s
